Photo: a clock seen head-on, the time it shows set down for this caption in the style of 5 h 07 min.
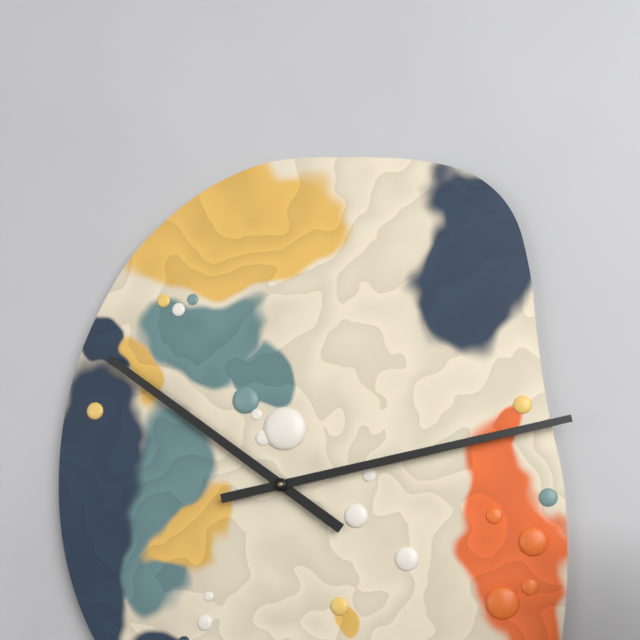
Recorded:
10 h 13 min
